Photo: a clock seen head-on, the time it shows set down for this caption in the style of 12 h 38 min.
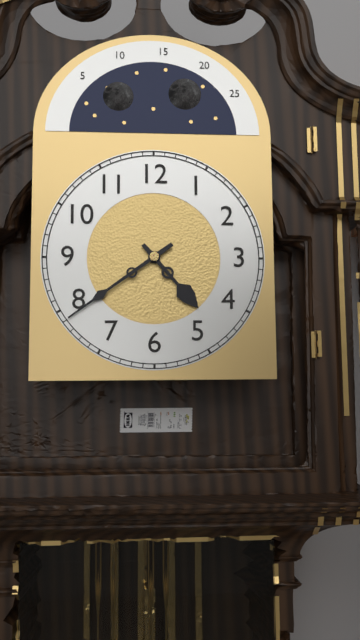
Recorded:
4 h 39 min
